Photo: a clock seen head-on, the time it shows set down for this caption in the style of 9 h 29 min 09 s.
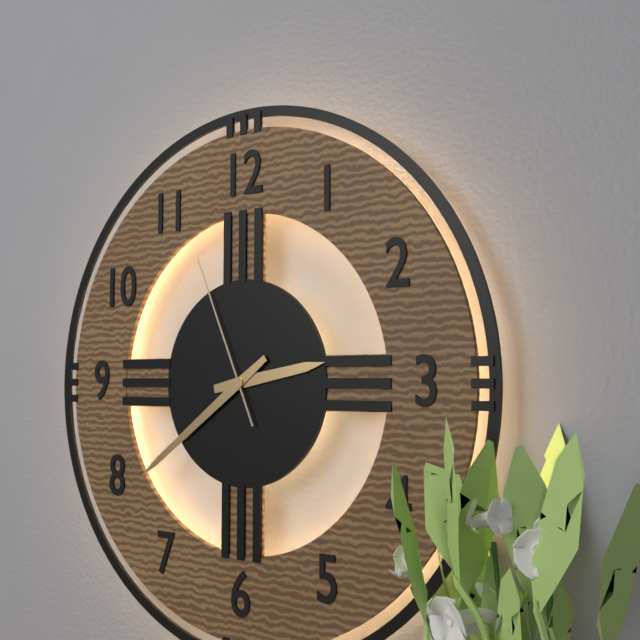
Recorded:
2 h 39 min 56 s
